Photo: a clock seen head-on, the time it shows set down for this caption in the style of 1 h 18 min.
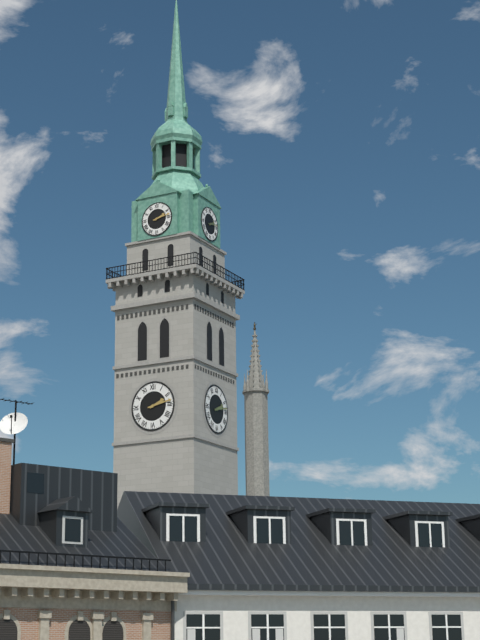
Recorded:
2 h 13 min
